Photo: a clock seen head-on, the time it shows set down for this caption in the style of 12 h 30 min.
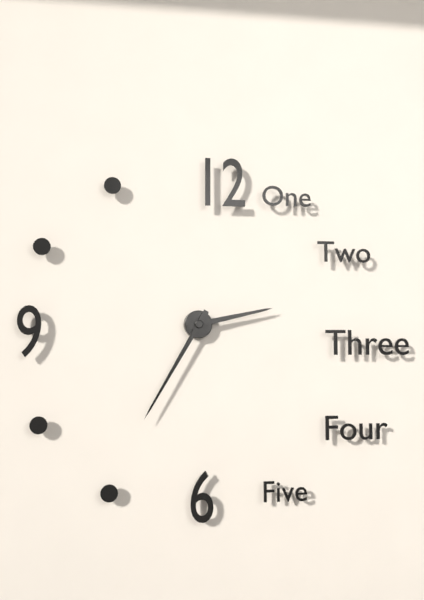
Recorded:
2 h 35 min
